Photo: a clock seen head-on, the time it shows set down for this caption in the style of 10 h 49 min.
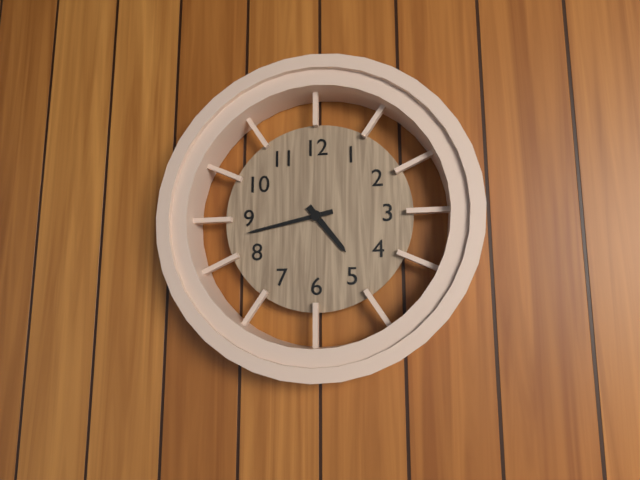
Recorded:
4 h 43 min
